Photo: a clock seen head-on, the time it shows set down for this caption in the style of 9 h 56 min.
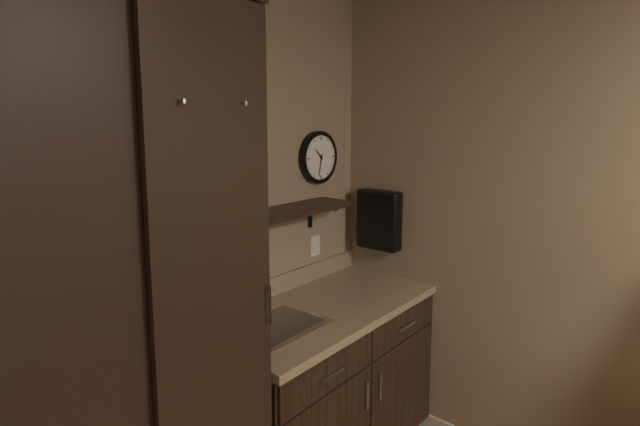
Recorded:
10 h 32 min
